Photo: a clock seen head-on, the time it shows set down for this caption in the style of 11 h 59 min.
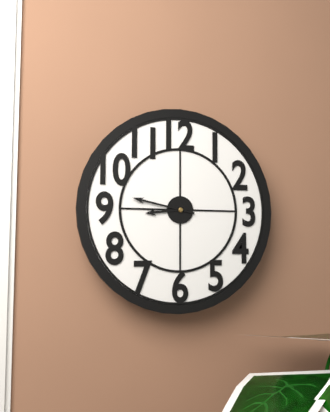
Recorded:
8 h 47 min
